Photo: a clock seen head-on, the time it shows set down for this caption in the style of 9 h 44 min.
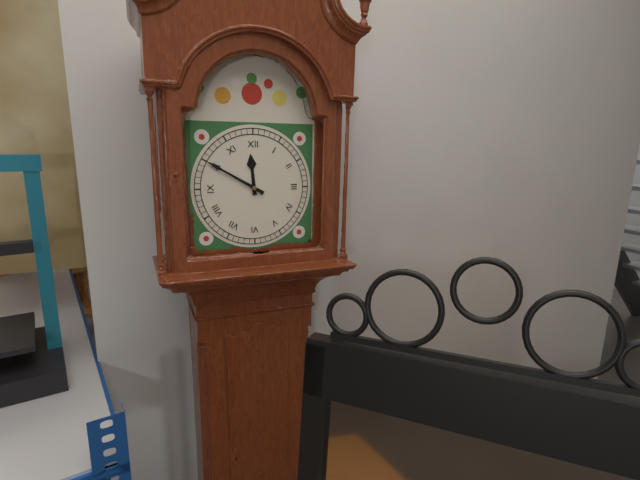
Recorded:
11 h 50 min
